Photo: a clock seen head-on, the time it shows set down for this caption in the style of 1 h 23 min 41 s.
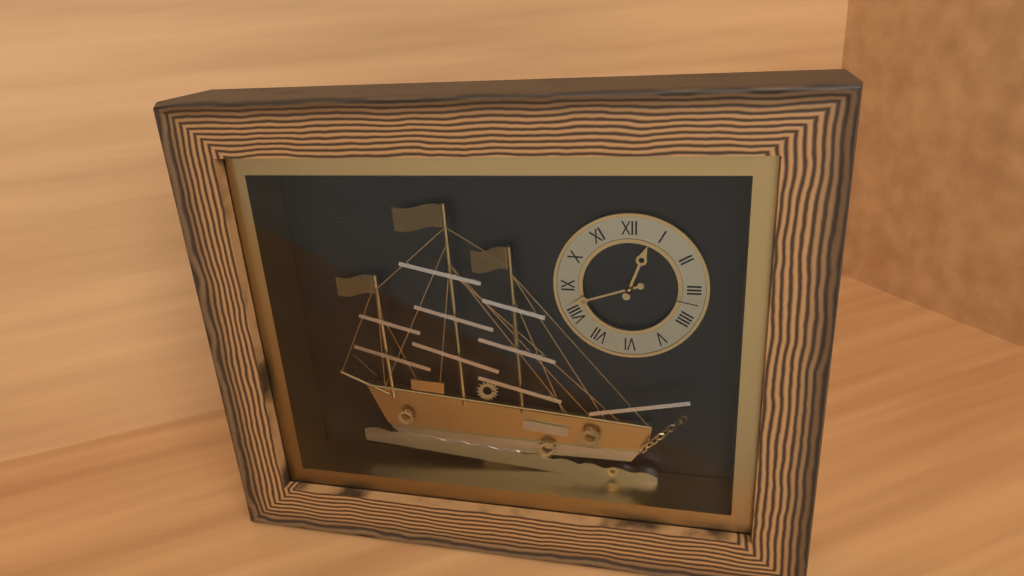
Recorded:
12 h 42 min 17 s
